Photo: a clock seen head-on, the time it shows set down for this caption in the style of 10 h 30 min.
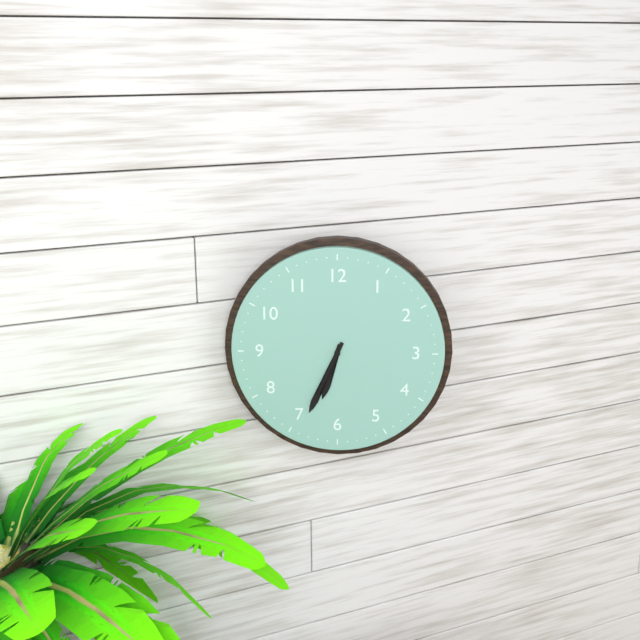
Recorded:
6 h 34 min
